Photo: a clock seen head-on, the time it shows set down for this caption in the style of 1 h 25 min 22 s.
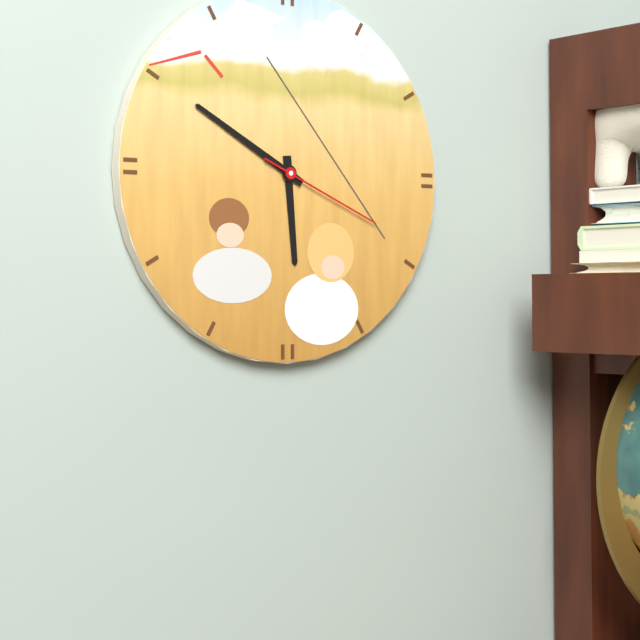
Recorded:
5 h 50 min 19 s
